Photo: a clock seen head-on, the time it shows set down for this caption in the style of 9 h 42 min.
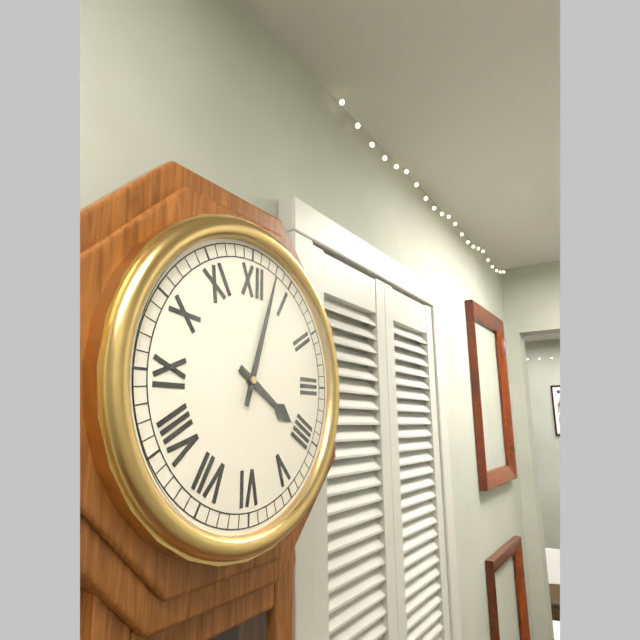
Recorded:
4 h 03 min
